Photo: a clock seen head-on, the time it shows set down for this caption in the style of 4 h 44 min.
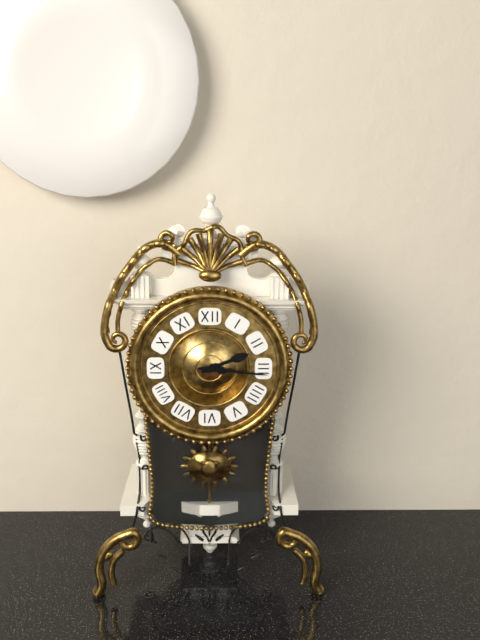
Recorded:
2 h 16 min
